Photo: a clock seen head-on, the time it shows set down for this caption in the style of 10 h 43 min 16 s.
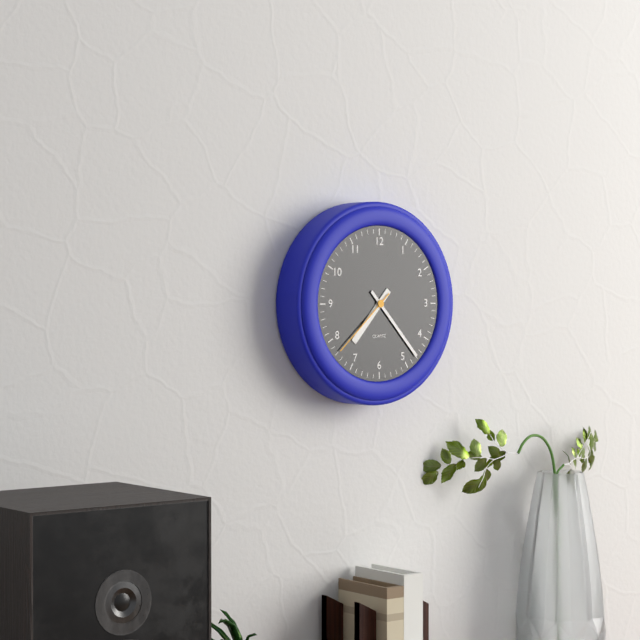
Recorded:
7 h 23 min 38 s
